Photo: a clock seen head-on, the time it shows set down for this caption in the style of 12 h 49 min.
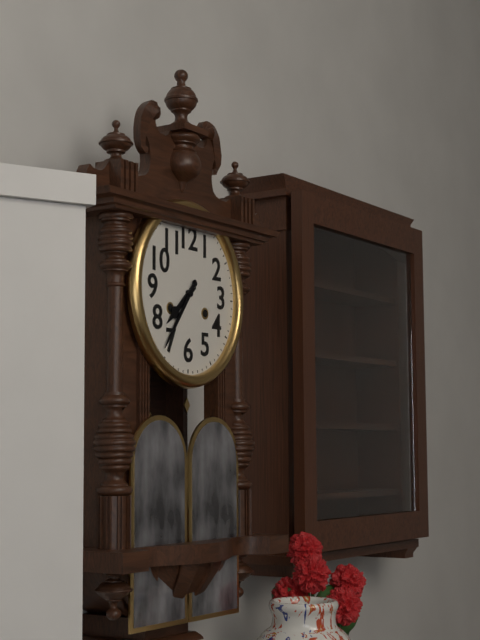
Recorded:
7 h 36 min
